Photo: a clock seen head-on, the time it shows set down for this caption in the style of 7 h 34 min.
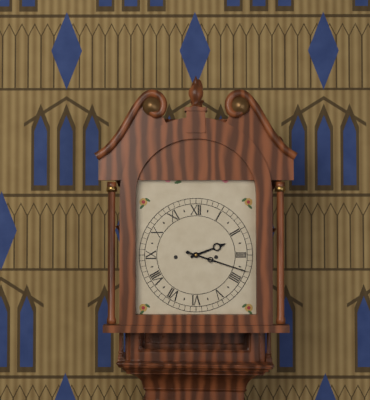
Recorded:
2 h 18 min
